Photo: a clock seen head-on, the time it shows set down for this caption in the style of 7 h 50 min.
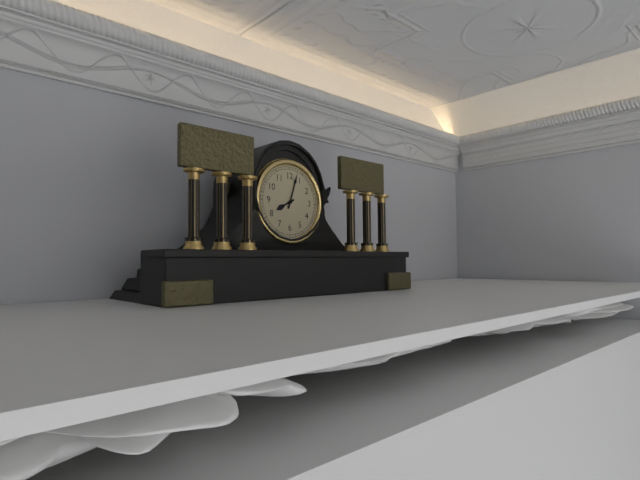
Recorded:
8 h 03 min
